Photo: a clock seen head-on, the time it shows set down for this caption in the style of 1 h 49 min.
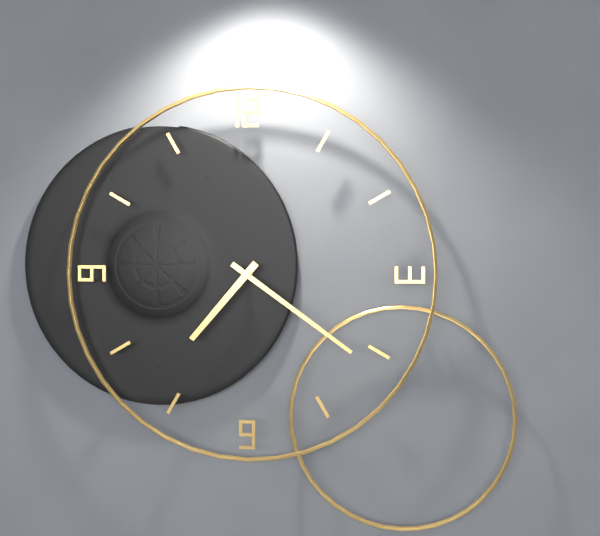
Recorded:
7 h 21 min
